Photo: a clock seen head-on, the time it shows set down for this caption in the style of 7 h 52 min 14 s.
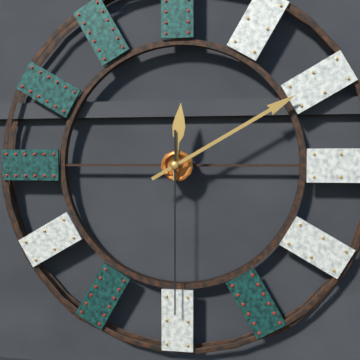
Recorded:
12 h 10 min 30 s
